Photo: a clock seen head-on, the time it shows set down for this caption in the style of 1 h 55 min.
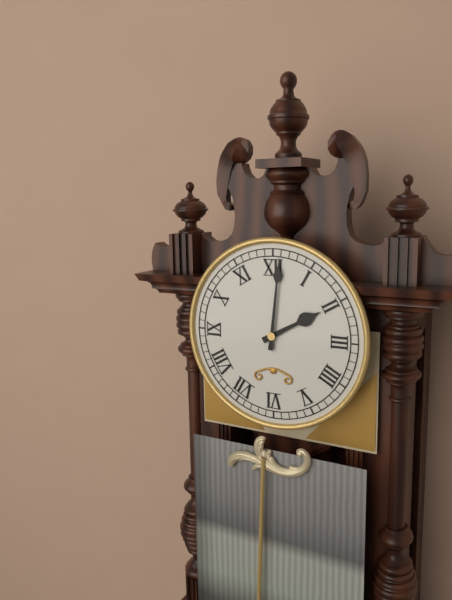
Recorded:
2 h 01 min
